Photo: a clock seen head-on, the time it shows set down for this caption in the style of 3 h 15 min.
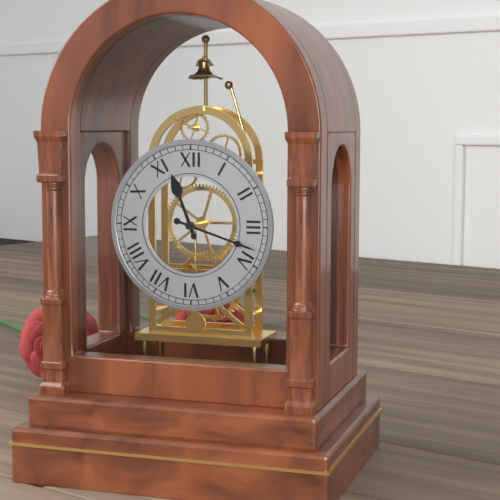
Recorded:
11 h 18 min
